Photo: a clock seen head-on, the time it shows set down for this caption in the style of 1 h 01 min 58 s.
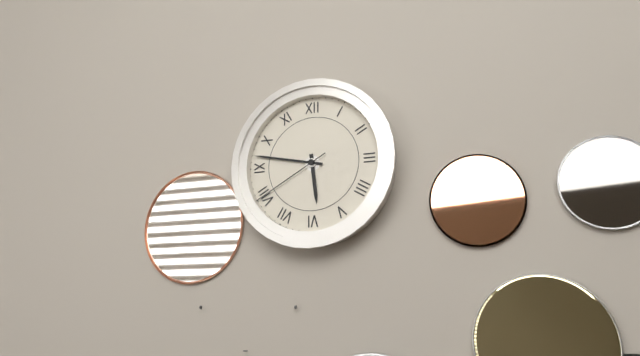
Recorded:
5 h 47 min 40 s
